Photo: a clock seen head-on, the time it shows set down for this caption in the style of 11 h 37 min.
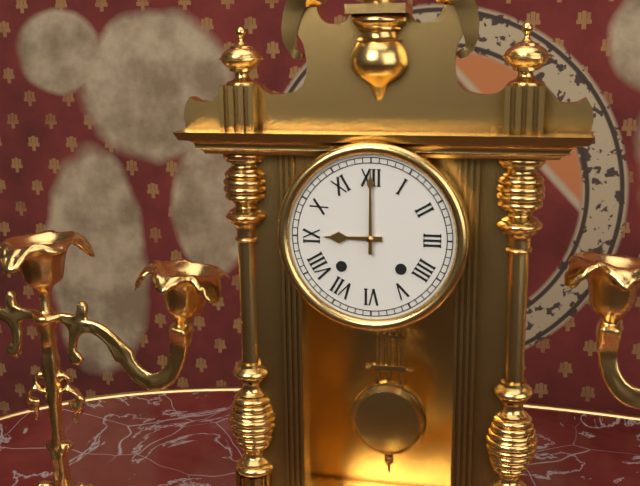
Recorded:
9 h 00 min
